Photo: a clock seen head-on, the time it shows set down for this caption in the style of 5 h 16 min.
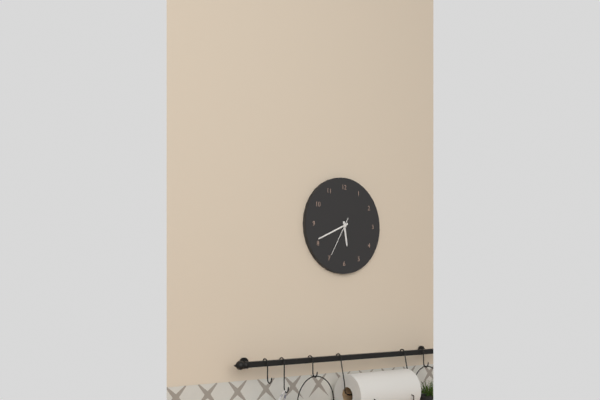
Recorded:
5 h 41 min
